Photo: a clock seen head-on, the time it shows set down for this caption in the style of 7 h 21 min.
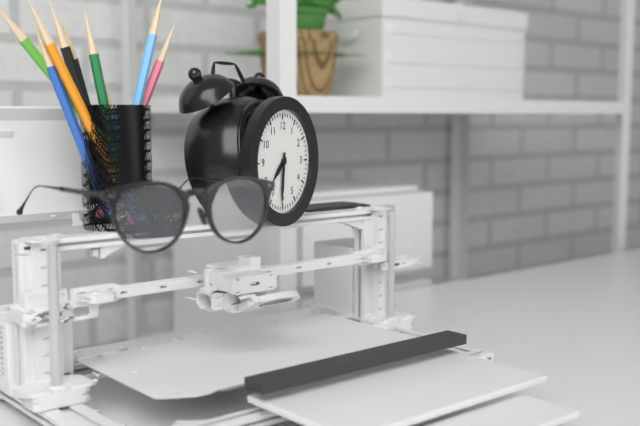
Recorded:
7 h 31 min
